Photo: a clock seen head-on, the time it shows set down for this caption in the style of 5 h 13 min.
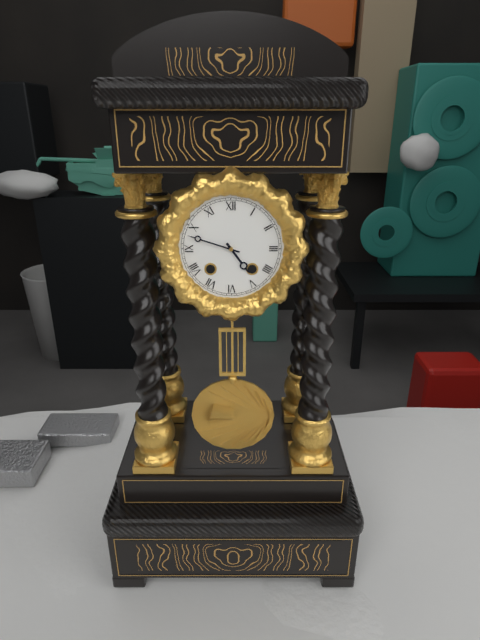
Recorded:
4 h 48 min
